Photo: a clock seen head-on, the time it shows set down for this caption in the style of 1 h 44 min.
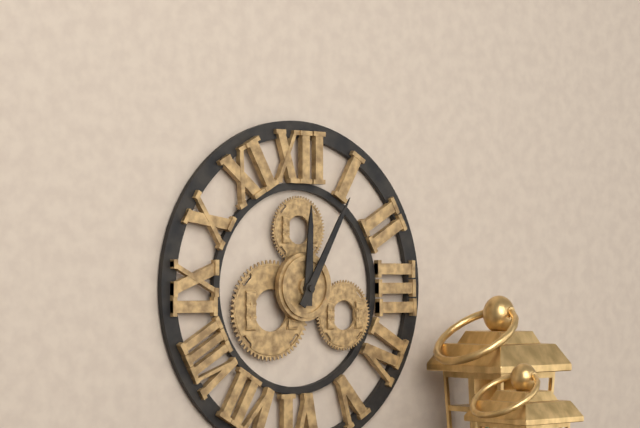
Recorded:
12 h 05 min
